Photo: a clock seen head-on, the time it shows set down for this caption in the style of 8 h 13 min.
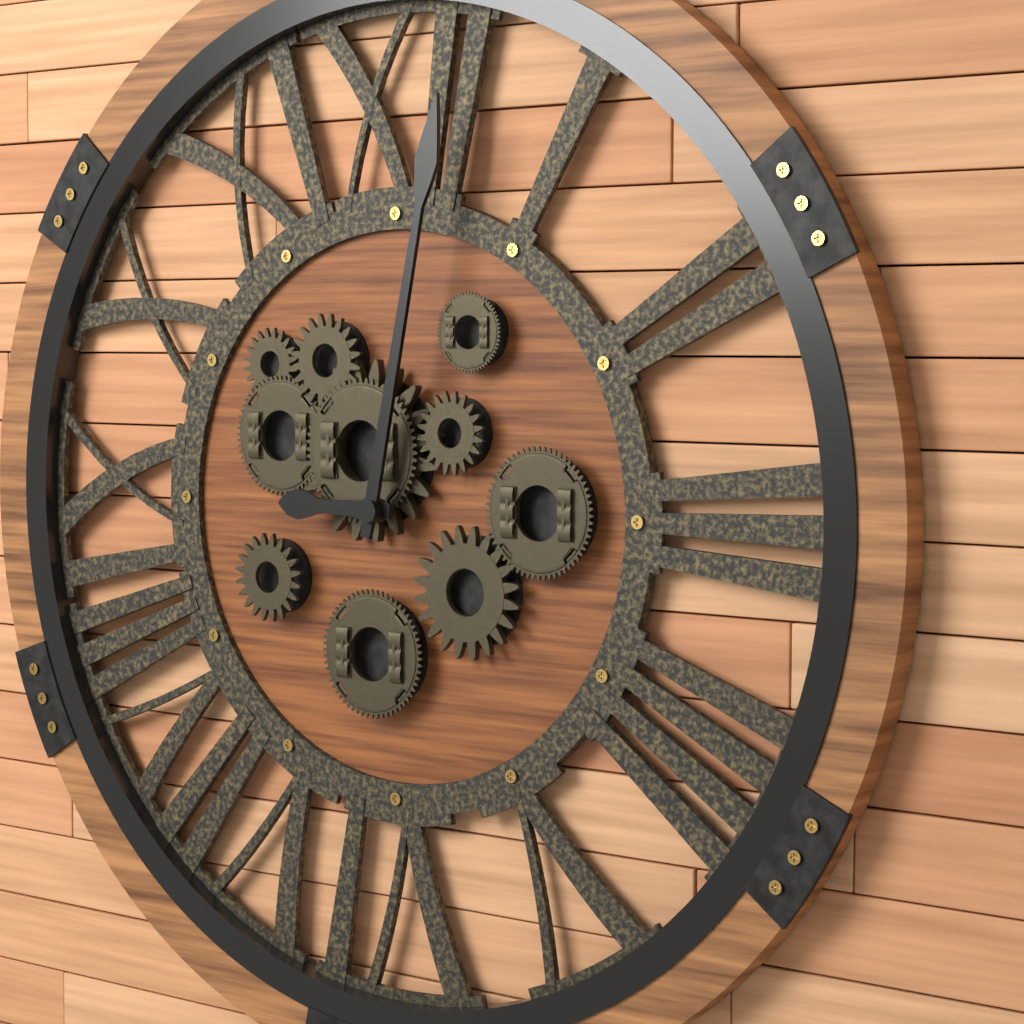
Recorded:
9 h 02 min
